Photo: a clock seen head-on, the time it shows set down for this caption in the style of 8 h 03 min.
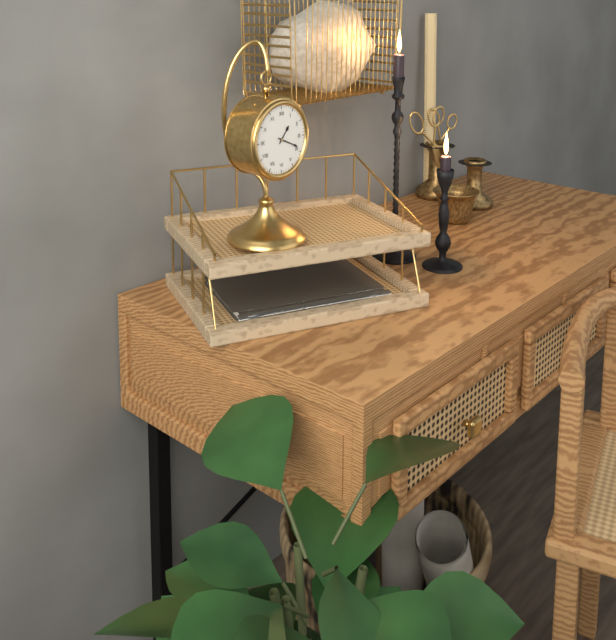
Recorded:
1 h 19 min
